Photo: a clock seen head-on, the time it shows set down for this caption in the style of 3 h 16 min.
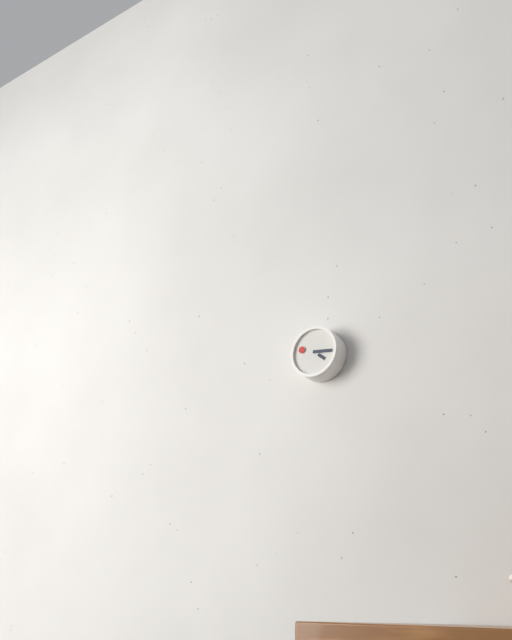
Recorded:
4 h 16 min
